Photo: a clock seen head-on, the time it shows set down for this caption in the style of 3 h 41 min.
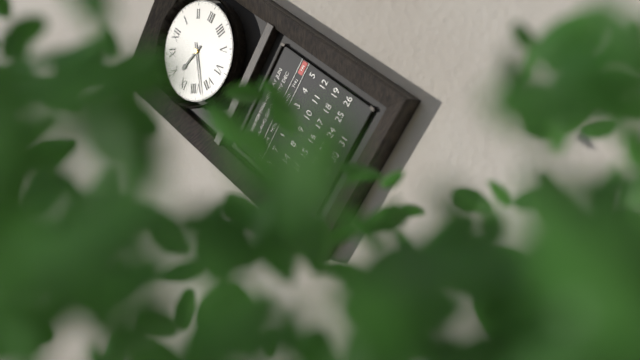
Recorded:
9 h 38 min
